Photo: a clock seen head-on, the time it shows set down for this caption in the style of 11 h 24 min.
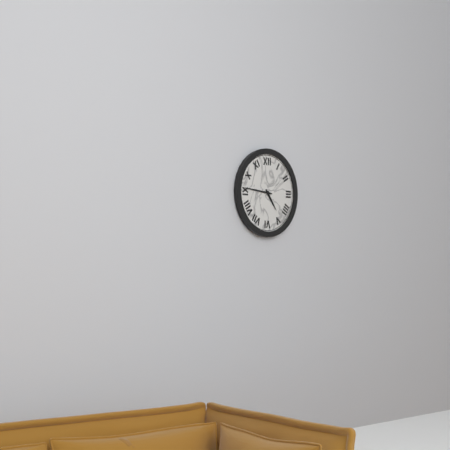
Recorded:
4 h 46 min
